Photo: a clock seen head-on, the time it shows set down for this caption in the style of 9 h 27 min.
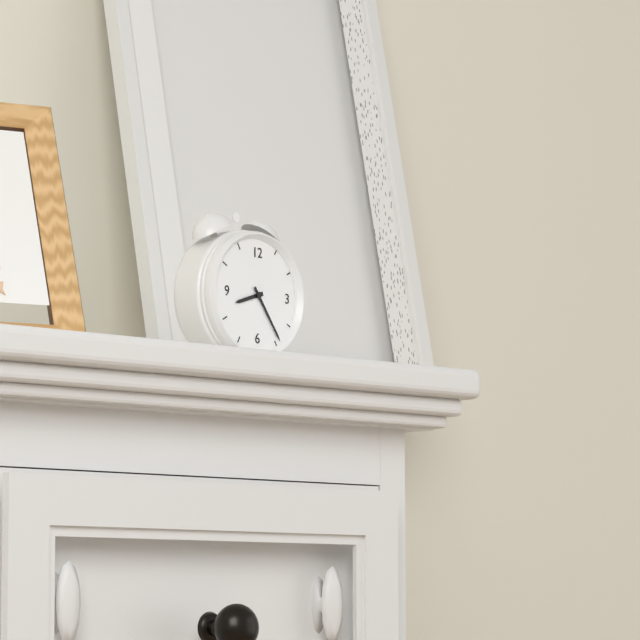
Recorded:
8 h 24 min
